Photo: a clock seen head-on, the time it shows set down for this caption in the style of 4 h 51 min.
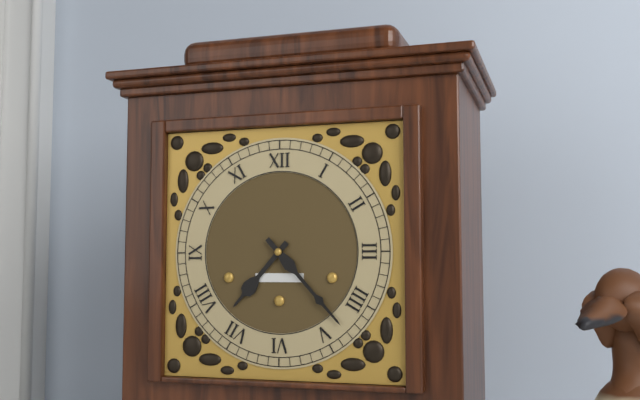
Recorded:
7 h 23 min
